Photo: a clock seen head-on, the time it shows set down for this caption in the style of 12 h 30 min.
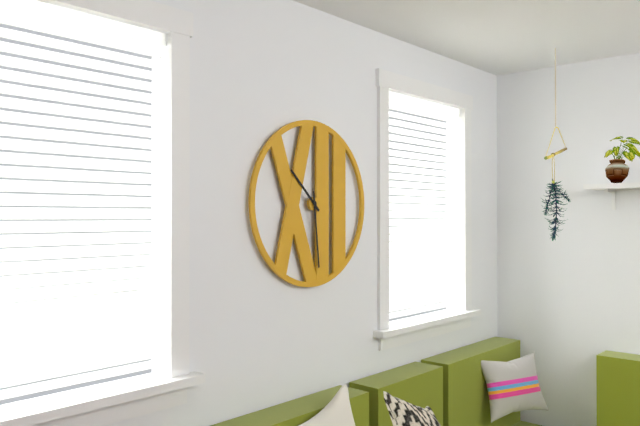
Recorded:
10 h 29 min
